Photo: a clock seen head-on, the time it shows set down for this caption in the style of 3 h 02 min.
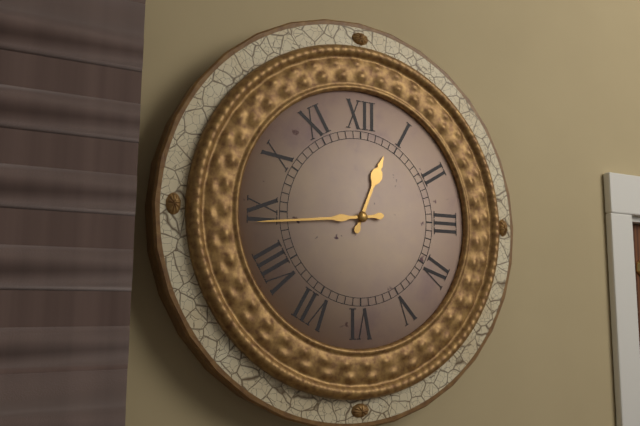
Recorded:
12 h 44 min
